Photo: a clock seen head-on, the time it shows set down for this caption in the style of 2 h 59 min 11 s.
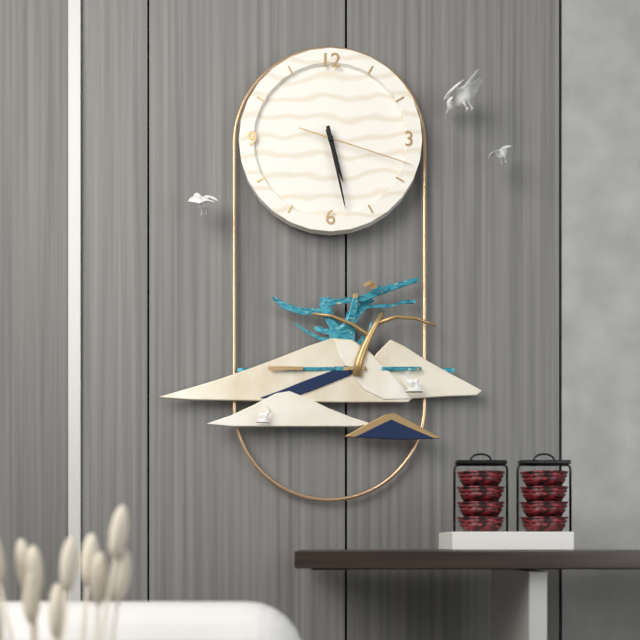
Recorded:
5 h 28 min 18 s
